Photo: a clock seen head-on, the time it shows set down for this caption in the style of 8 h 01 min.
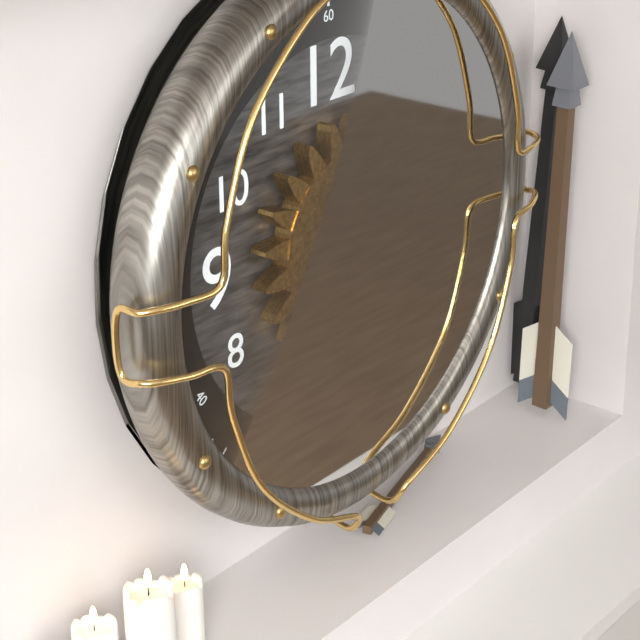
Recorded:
1 h 25 min
